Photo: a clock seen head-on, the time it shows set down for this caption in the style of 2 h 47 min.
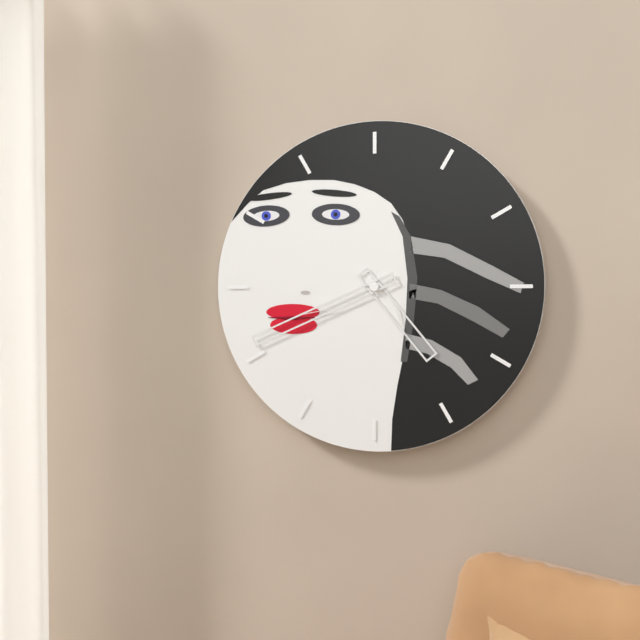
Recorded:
4 h 41 min
